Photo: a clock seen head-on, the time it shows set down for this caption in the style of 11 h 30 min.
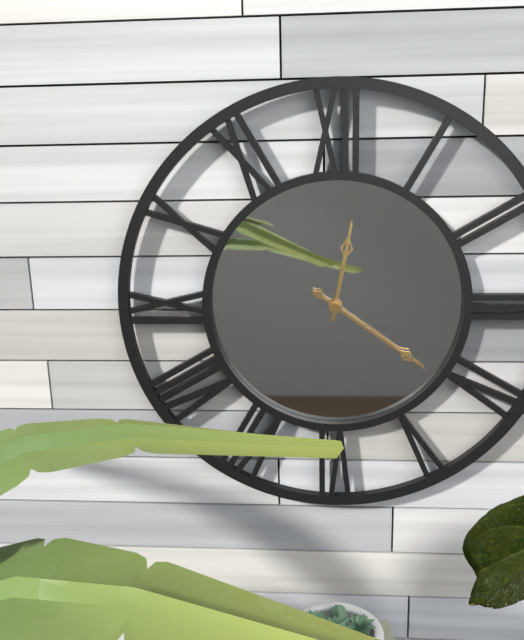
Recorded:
12 h 21 min
